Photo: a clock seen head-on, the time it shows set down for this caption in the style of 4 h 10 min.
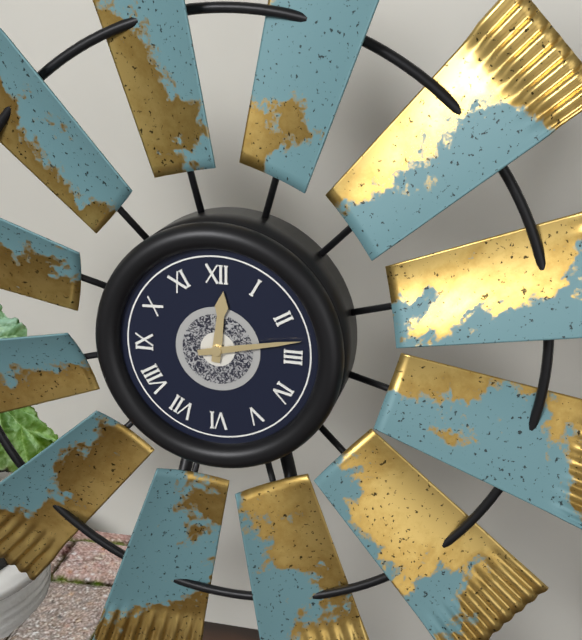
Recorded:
12 h 13 min
